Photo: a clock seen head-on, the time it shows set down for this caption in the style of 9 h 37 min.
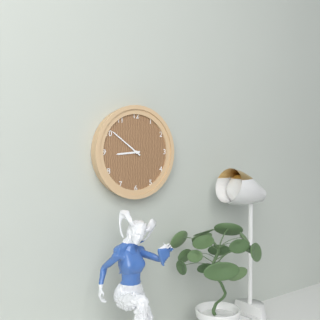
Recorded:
8 h 51 min
